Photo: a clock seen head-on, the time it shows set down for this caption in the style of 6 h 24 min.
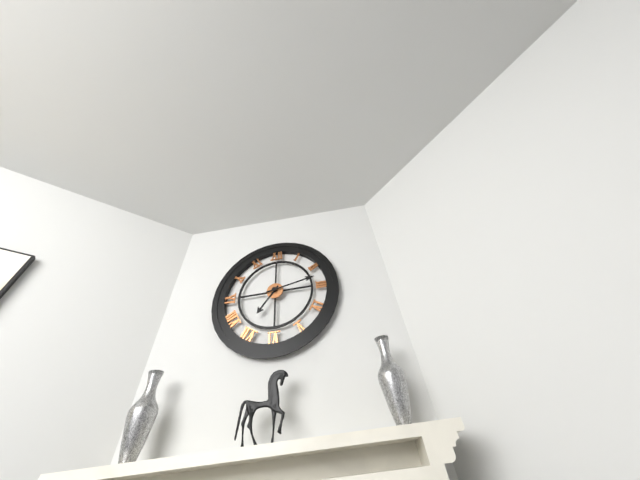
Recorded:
7 h 13 min
